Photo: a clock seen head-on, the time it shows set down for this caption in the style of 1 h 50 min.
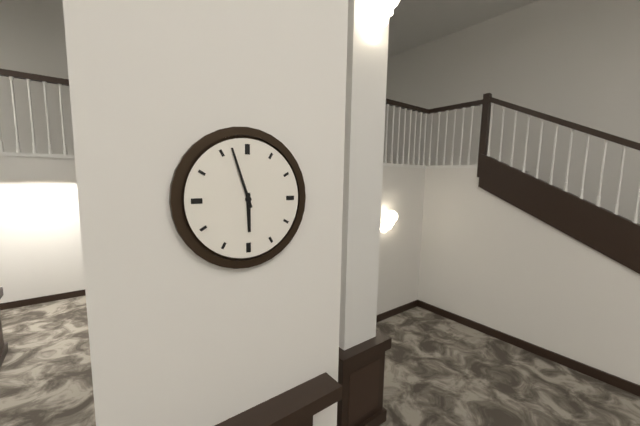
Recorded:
5 h 57 min
